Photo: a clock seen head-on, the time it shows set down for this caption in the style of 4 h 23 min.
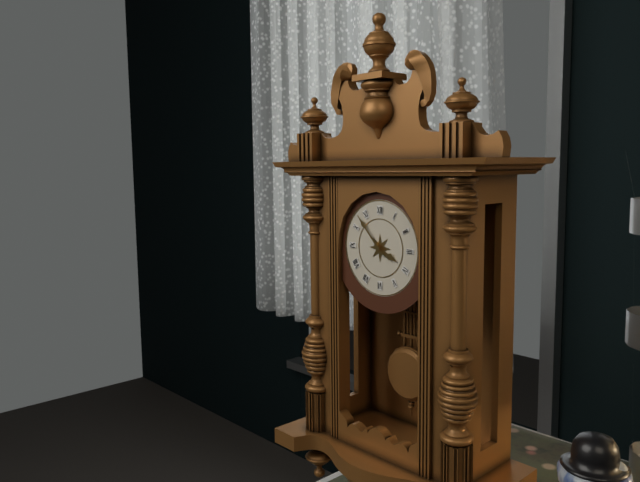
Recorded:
3 h 53 min
